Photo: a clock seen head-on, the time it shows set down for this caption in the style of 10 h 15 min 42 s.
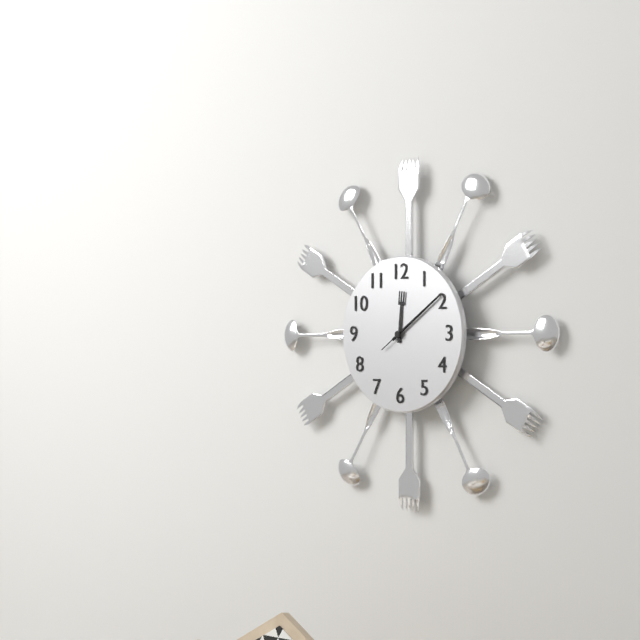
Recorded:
12 h 09 min 09 s
